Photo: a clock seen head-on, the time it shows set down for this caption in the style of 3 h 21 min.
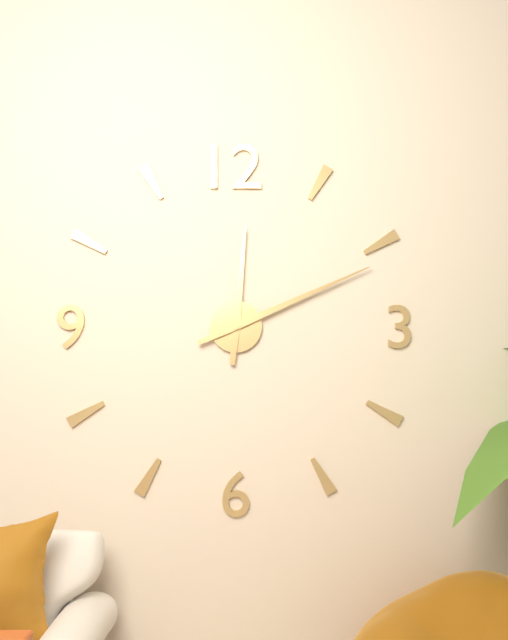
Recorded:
12 h 11 min
